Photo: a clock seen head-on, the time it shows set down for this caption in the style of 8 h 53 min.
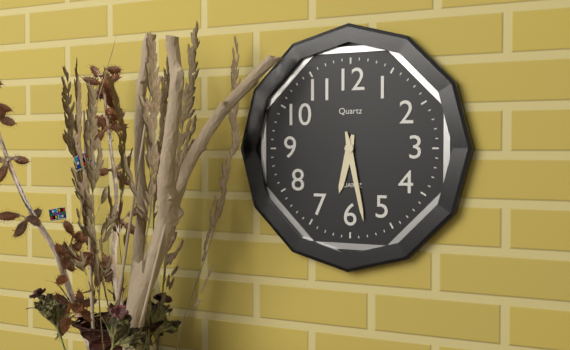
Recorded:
6 h 28 min
